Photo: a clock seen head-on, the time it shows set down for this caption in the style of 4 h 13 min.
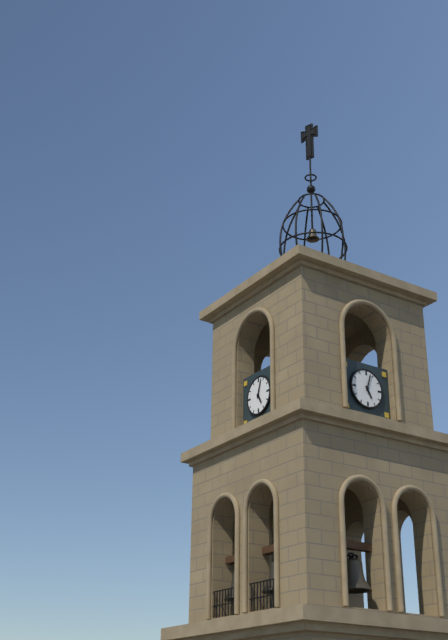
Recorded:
5 h 03 min
